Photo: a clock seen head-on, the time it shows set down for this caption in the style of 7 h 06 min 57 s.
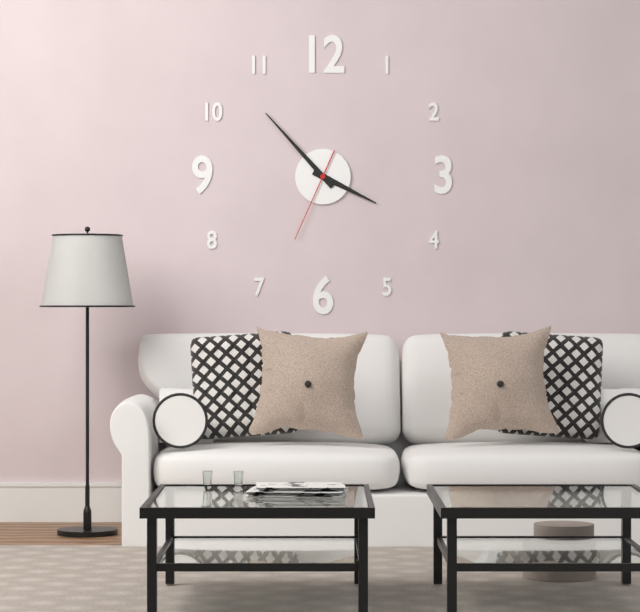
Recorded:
3 h 53 min 34 s
